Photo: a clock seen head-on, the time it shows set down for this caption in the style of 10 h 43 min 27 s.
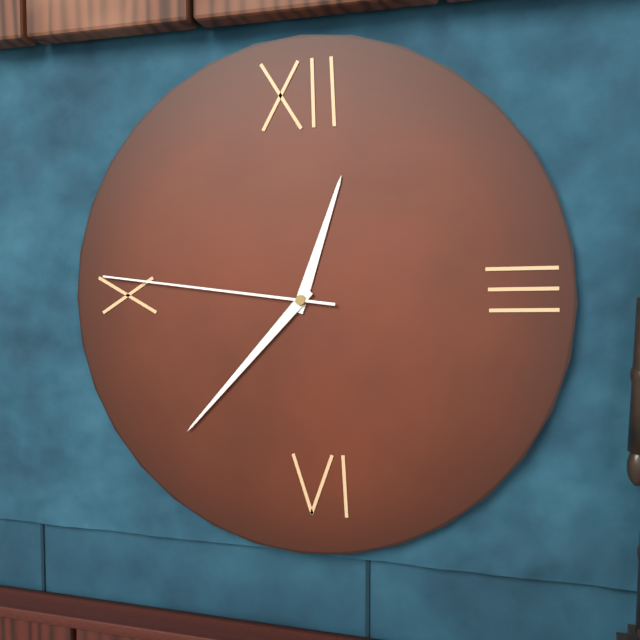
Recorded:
12 h 37 min 46 s
